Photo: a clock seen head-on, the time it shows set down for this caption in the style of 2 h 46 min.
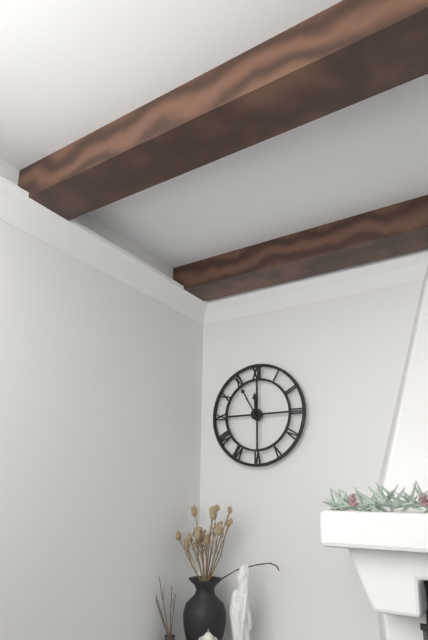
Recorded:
11 h 55 min
